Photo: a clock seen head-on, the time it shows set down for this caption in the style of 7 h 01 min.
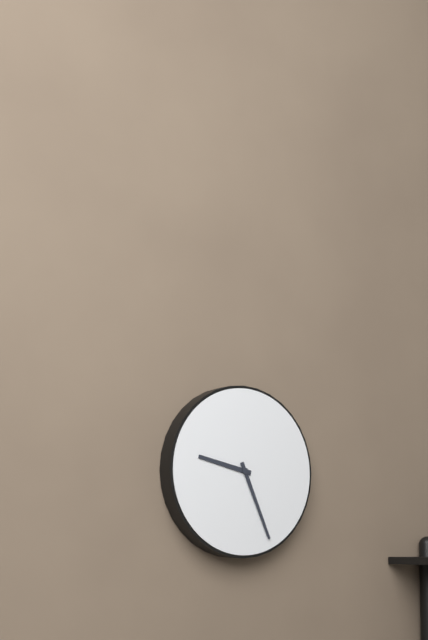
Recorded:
9 h 26 min
